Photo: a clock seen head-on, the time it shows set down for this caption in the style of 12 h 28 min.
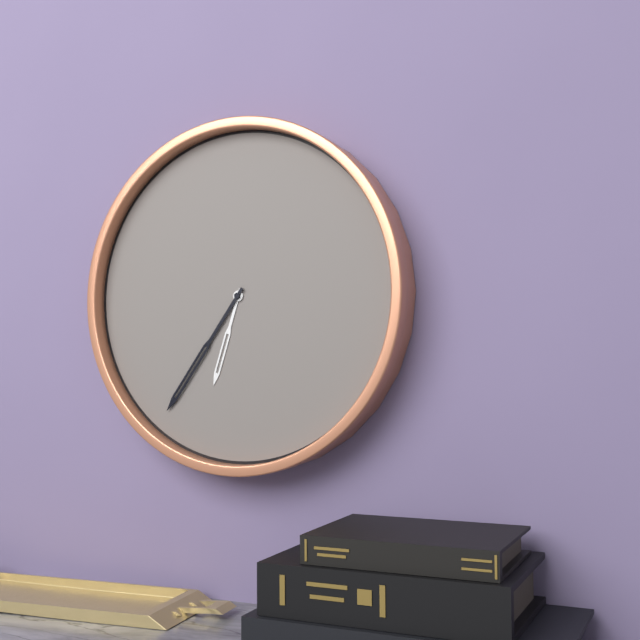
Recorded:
6 h 36 min
